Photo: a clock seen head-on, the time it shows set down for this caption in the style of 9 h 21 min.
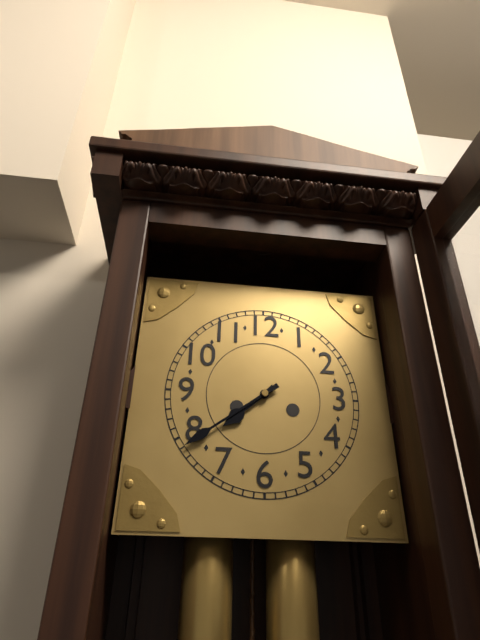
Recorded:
7 h 39 min
